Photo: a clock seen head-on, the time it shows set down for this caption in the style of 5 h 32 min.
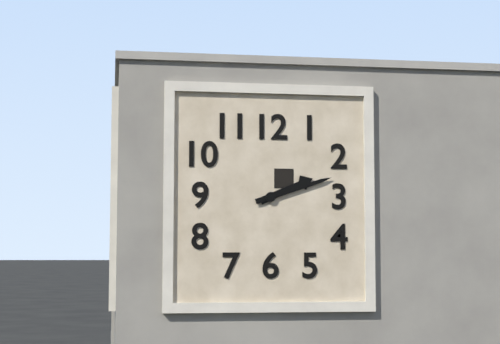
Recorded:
2 h 12 min
